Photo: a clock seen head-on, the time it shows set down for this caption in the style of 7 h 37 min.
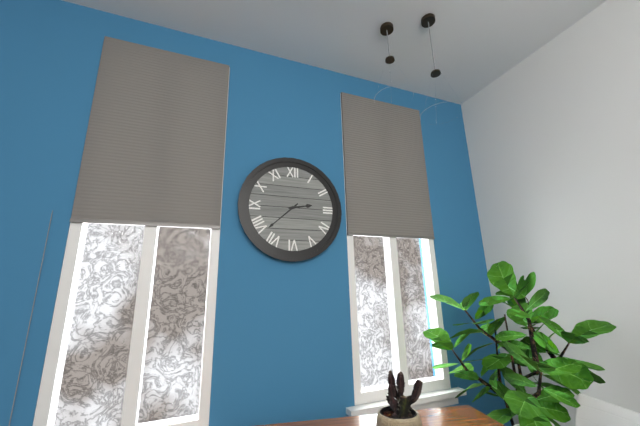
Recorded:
2 h 38 min
